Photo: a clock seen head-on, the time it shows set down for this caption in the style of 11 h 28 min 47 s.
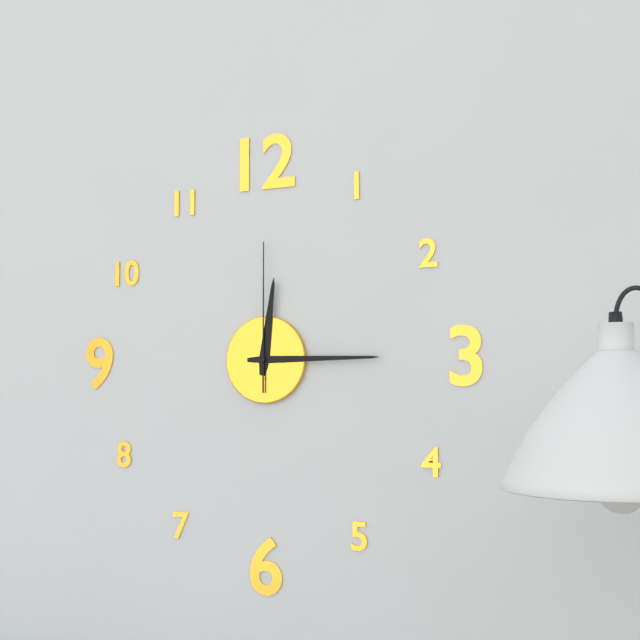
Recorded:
12 h 15 min 00 s
